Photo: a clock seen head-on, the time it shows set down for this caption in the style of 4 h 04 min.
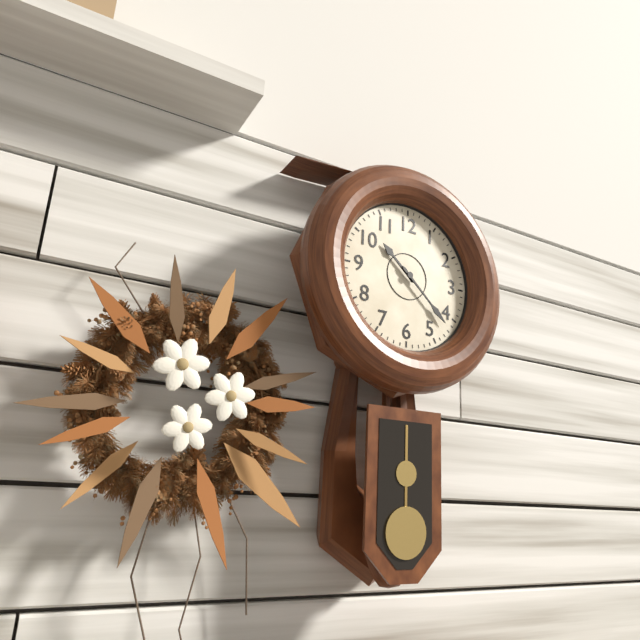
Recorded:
10 h 22 min
